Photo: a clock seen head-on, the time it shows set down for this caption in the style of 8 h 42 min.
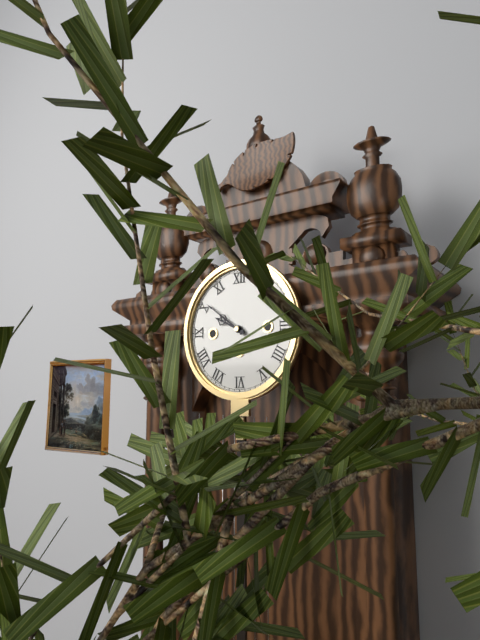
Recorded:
9 h 51 min
